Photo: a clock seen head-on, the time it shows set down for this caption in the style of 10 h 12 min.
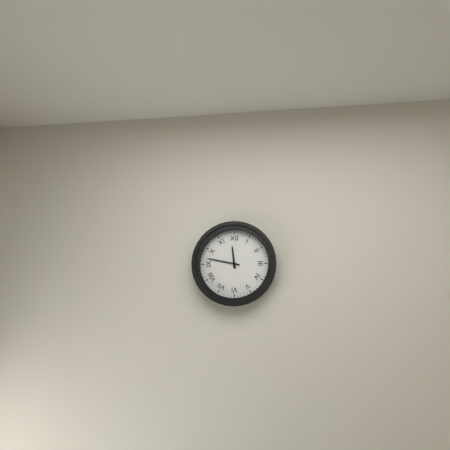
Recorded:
11 h 47 min
